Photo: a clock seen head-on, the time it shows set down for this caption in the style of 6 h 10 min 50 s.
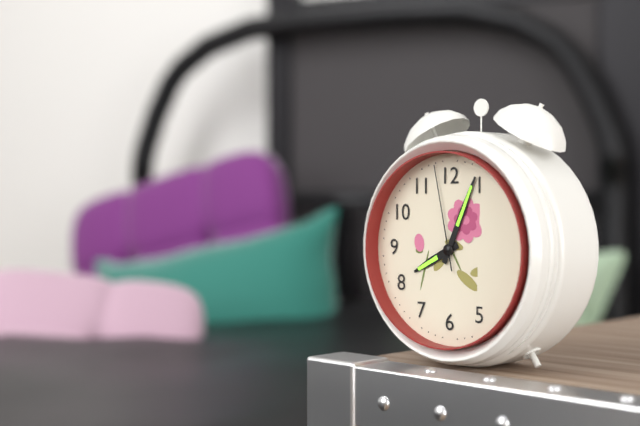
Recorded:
8 h 04 min 58 s
